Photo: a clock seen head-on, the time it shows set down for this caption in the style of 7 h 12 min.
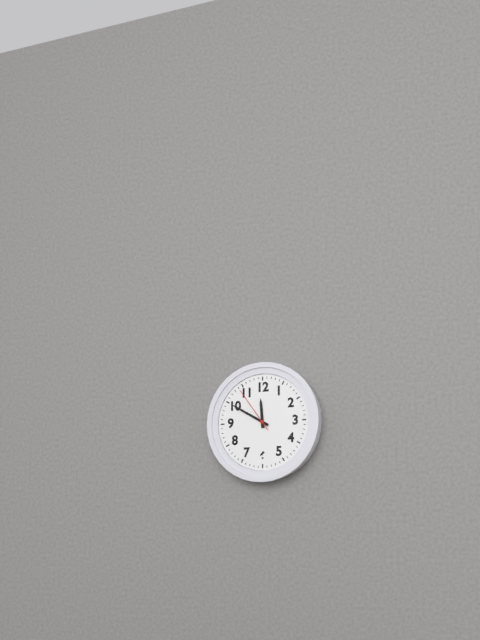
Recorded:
11 h 50 min
